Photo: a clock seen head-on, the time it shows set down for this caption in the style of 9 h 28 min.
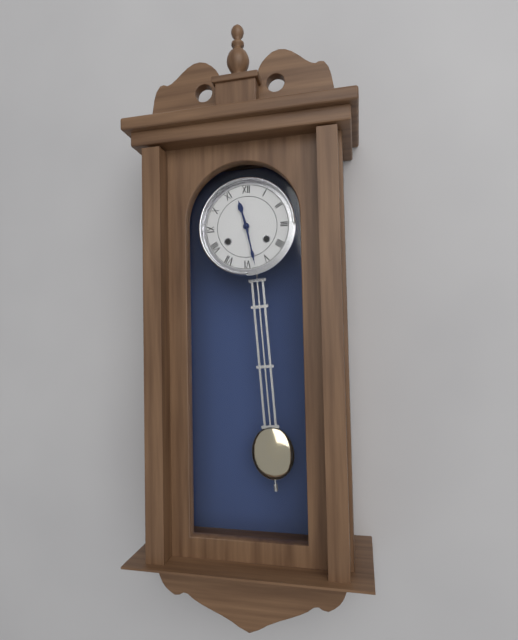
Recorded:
11 h 28 min
